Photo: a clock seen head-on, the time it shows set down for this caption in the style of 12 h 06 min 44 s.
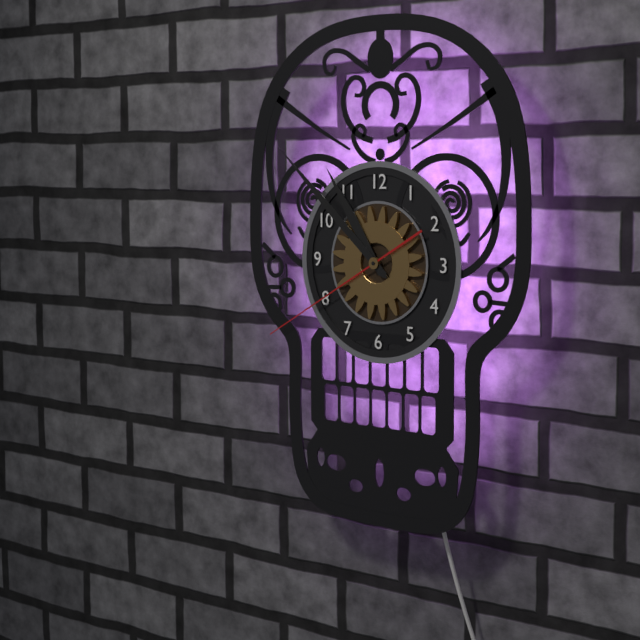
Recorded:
10 h 52 min 40 s
